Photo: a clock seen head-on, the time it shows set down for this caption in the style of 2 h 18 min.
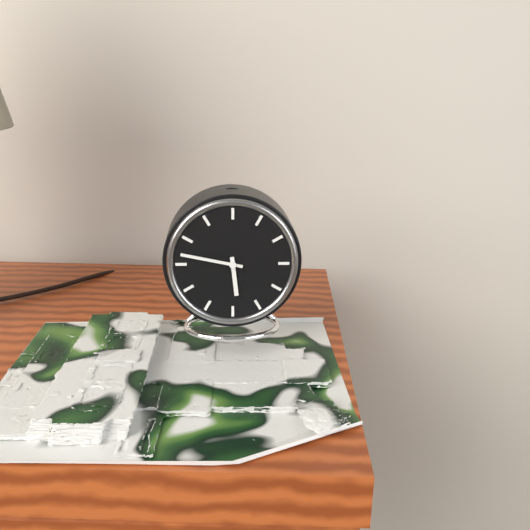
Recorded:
5 h 47 min
